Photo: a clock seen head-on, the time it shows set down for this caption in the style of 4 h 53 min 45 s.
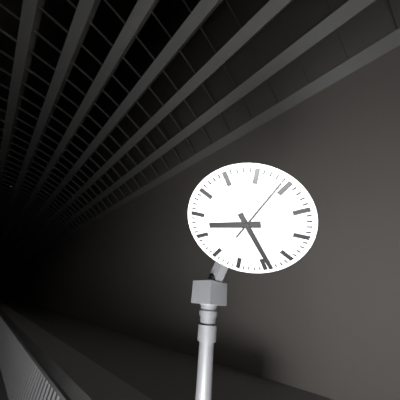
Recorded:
9 h 29 min 09 s
